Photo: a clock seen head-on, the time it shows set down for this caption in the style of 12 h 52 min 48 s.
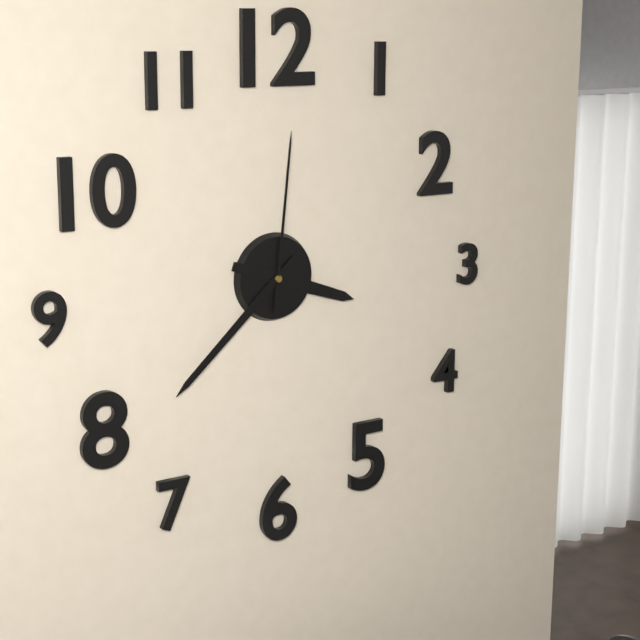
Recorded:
3 h 38 min 01 s
